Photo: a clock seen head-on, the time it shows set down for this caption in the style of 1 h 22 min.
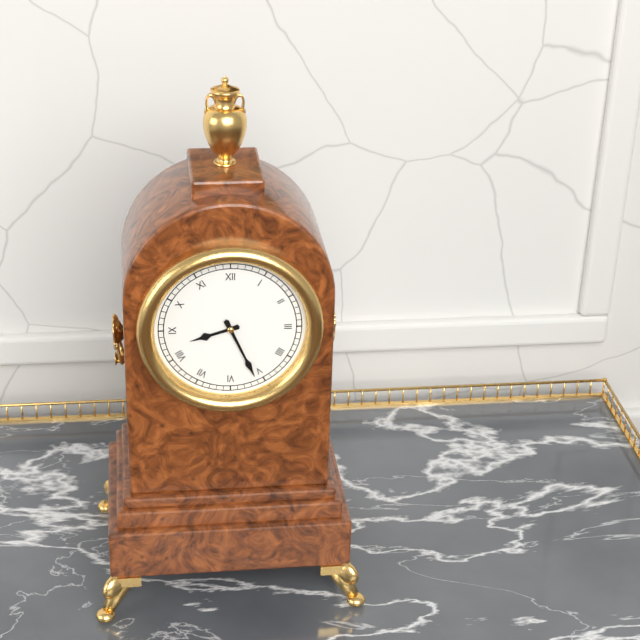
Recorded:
8 h 26 min
